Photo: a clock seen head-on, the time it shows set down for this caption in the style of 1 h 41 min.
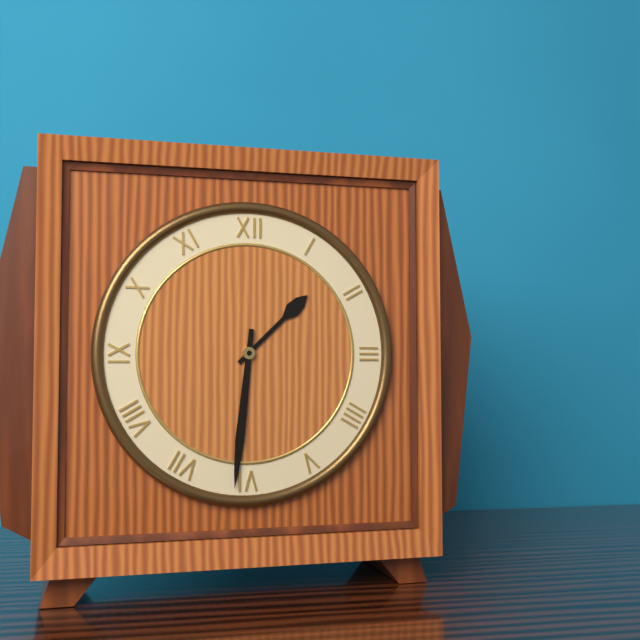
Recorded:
1 h 31 min
